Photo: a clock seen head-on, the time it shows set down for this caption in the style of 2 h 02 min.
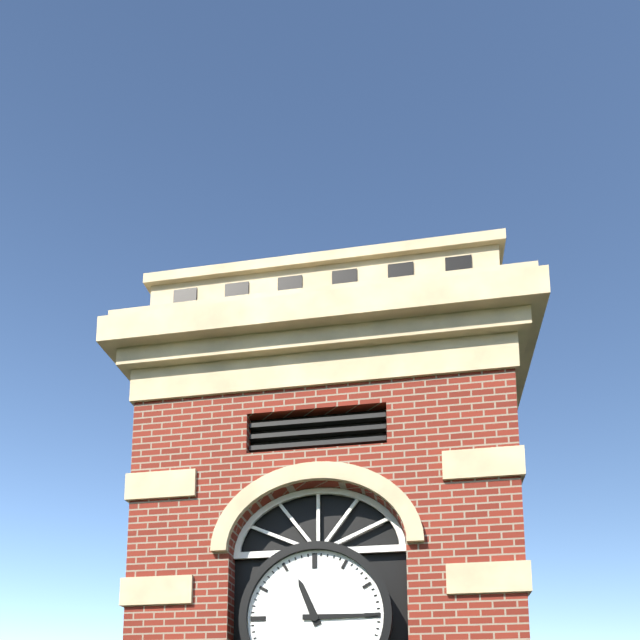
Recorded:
11 h 15 min
